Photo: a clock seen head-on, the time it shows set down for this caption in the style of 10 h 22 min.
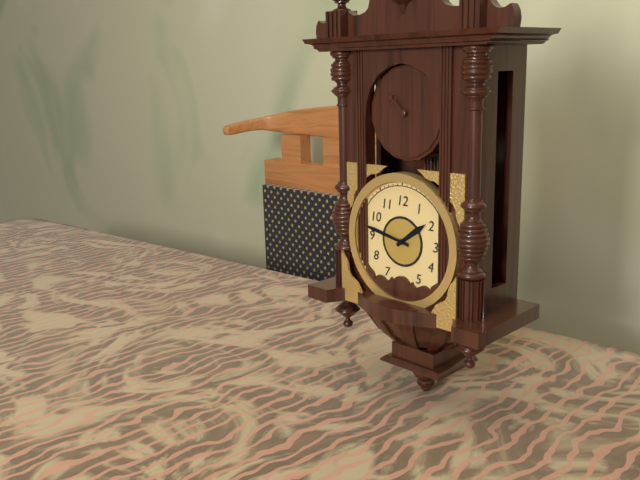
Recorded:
1 h 47 min
